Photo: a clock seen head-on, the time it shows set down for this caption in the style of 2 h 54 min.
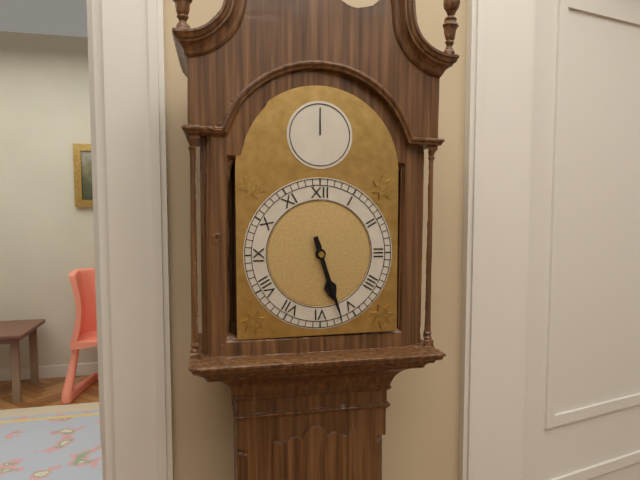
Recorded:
5 h 27 min
